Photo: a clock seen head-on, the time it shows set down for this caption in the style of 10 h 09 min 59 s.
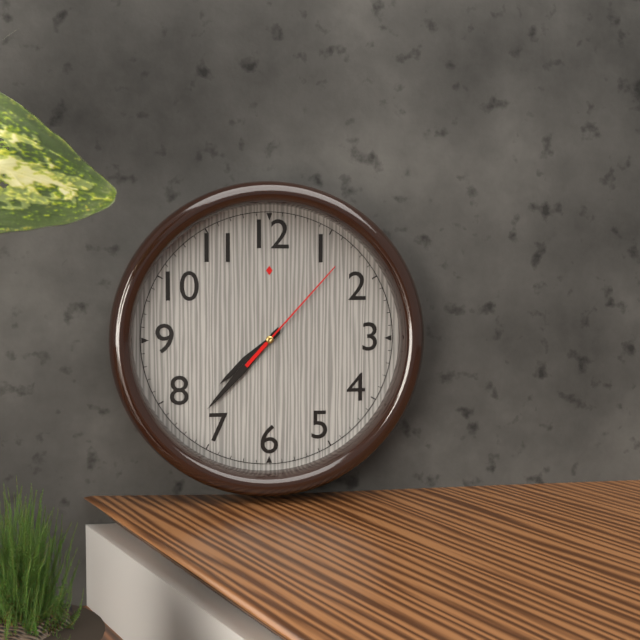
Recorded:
7 h 37 min 07 s
